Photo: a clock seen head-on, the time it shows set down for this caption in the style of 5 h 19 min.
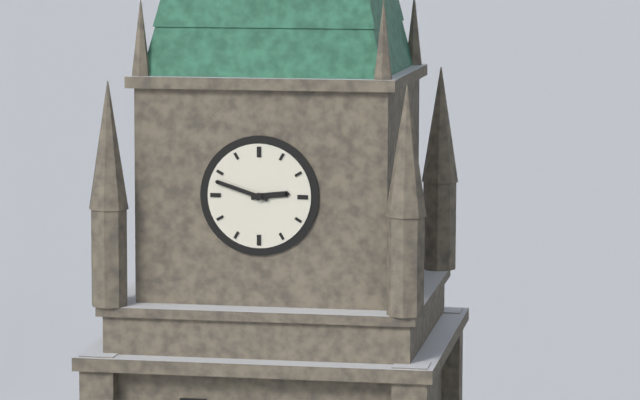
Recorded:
2 h 48 min
